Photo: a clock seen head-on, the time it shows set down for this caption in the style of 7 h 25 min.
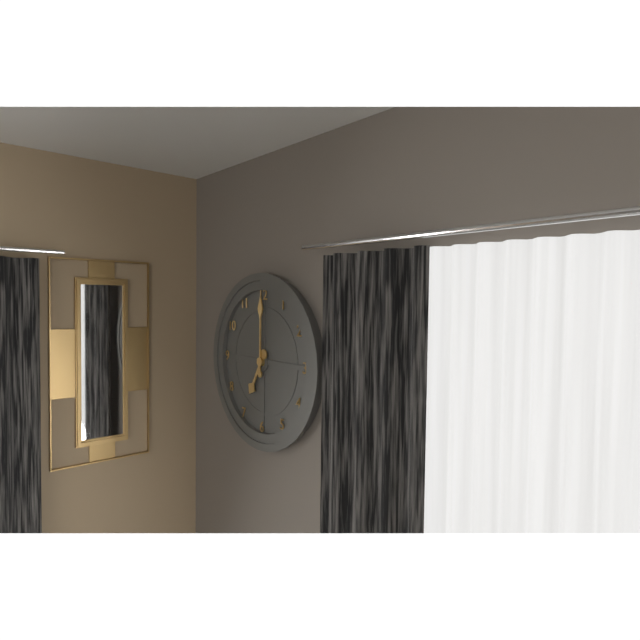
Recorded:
7 h 00 min
